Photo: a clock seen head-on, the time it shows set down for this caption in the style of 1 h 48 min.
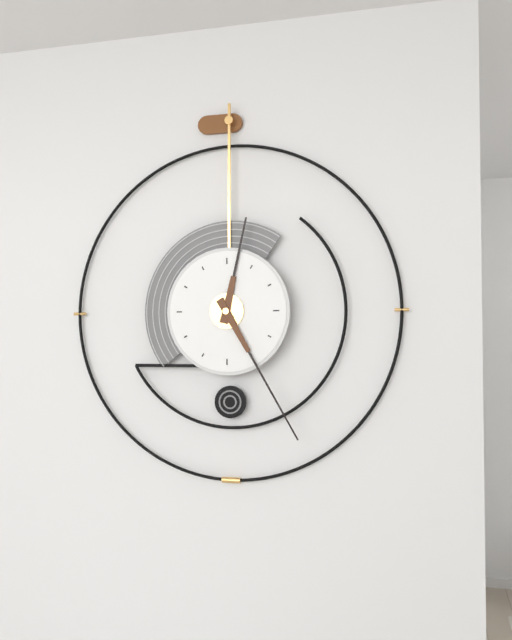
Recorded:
12 h 25 min
